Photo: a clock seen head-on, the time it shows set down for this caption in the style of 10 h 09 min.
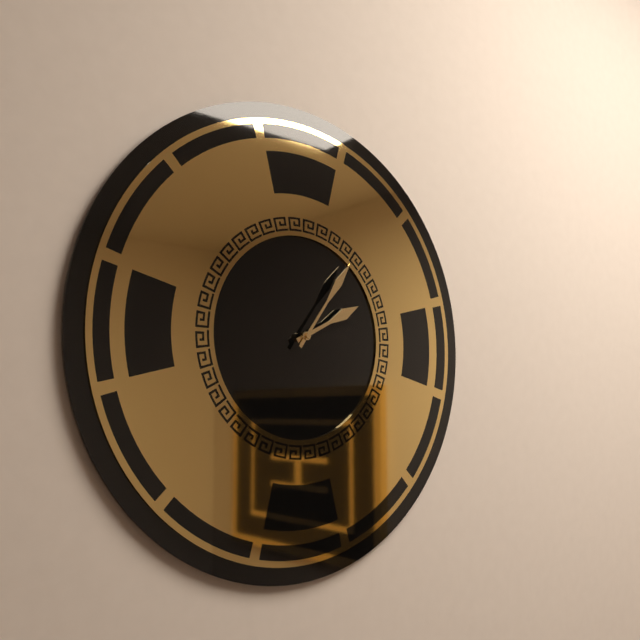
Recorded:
2 h 06 min
